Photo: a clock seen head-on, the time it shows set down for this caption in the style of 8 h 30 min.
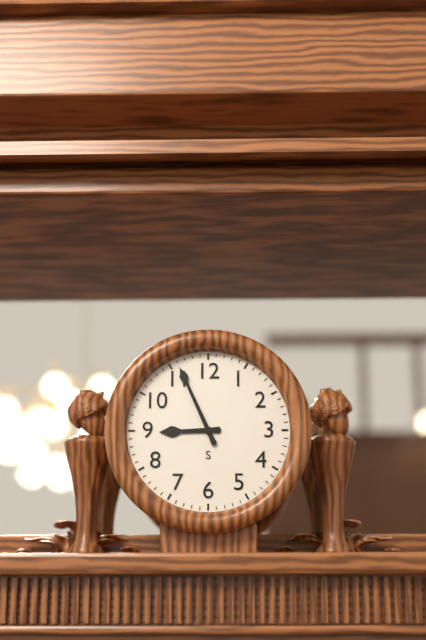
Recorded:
8 h 56 min
